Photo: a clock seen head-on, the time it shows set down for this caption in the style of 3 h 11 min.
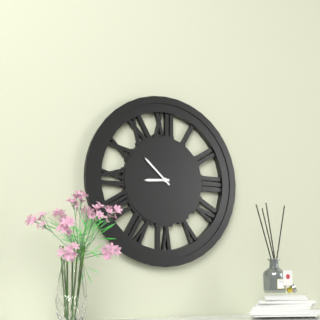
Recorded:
8 h 52 min
